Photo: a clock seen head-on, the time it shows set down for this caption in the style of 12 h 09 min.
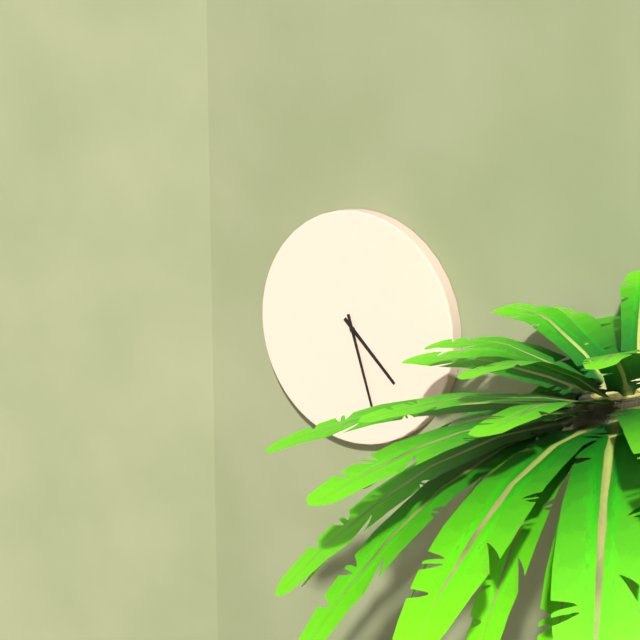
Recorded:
4 h 27 min
